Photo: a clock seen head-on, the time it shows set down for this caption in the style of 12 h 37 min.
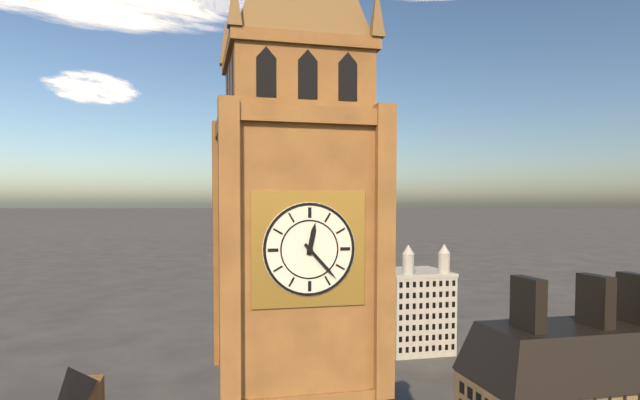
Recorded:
12 h 23 min
